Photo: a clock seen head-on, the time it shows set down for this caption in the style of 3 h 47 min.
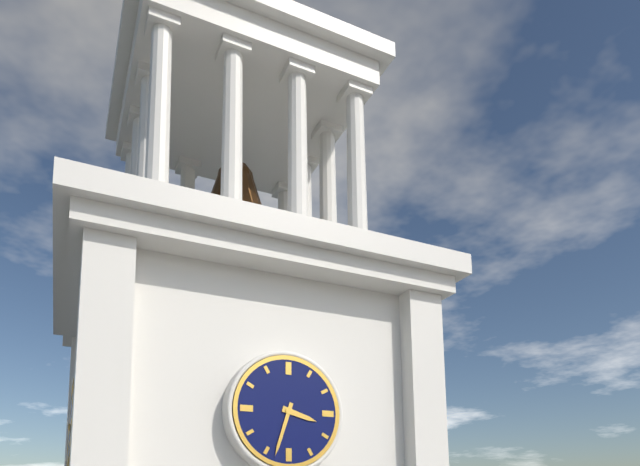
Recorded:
3 h 33 min
